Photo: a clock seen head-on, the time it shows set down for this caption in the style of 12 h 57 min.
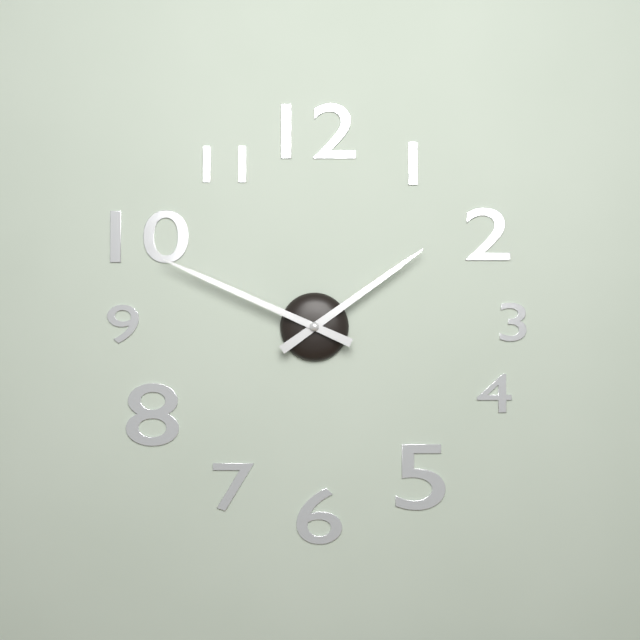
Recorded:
1 h 49 min
